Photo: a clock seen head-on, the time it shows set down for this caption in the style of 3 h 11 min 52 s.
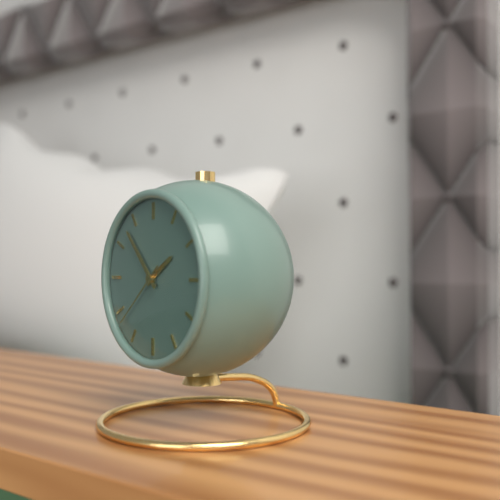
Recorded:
1 h 53 min 38 s
